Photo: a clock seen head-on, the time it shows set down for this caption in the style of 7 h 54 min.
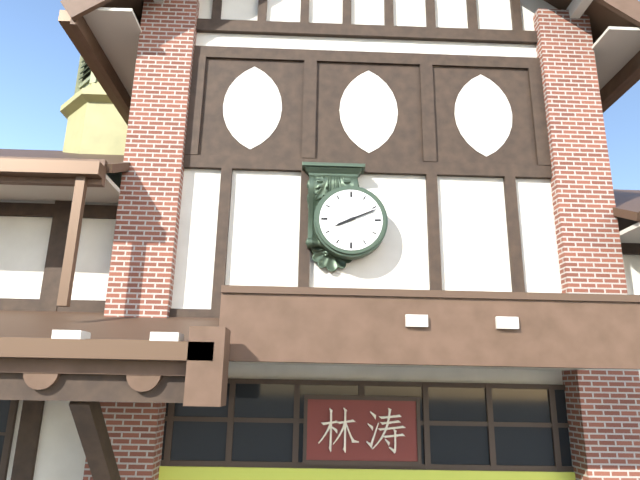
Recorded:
8 h 11 min
